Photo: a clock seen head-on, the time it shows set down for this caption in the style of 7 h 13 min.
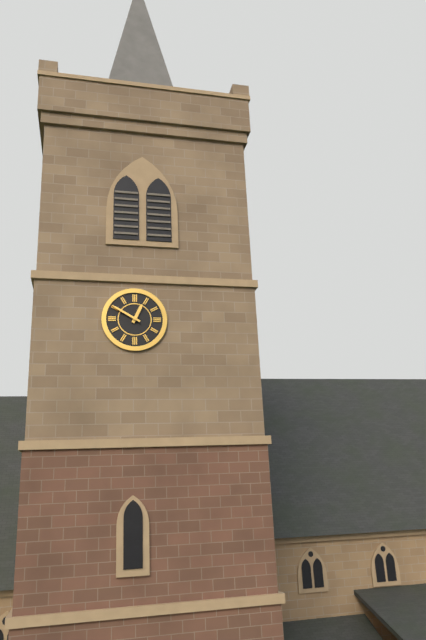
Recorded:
12 h 50 min
